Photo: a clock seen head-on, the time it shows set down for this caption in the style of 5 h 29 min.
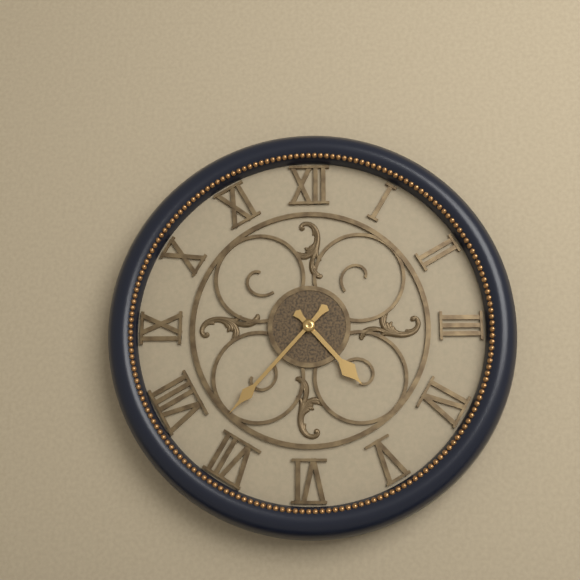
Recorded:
4 h 37 min
